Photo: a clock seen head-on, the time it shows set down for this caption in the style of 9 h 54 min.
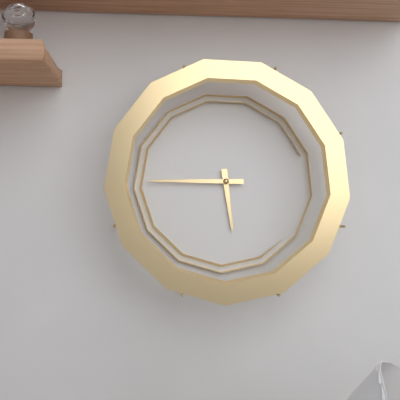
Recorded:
5 h 45 min
